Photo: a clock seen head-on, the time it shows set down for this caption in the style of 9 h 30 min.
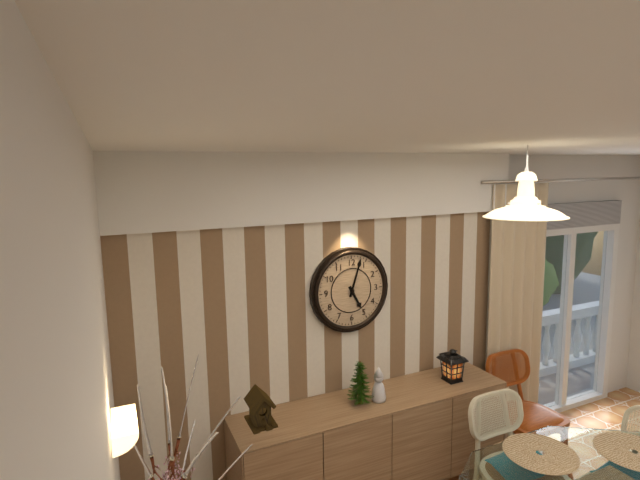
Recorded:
5 h 03 min
